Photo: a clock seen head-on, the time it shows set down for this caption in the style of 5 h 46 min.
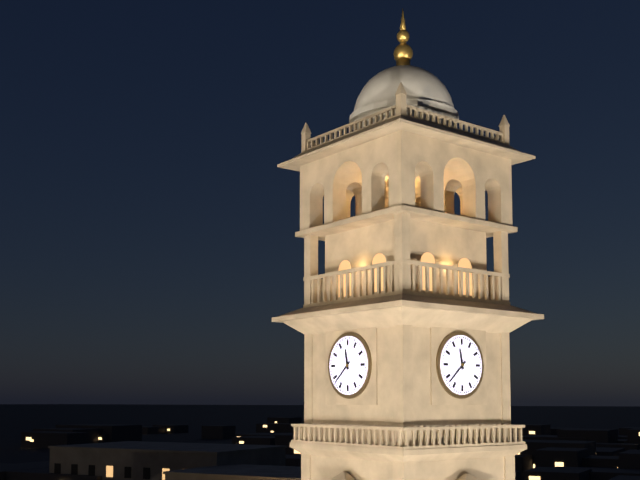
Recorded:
11 h 38 min
